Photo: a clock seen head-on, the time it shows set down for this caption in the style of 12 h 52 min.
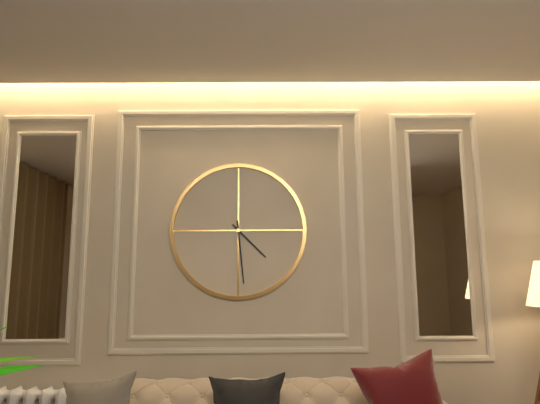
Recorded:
4 h 29 min
